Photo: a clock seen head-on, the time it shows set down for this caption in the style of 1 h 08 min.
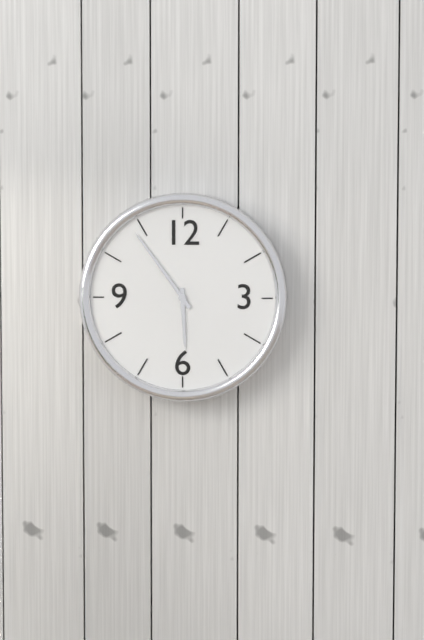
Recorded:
5 h 54 min
